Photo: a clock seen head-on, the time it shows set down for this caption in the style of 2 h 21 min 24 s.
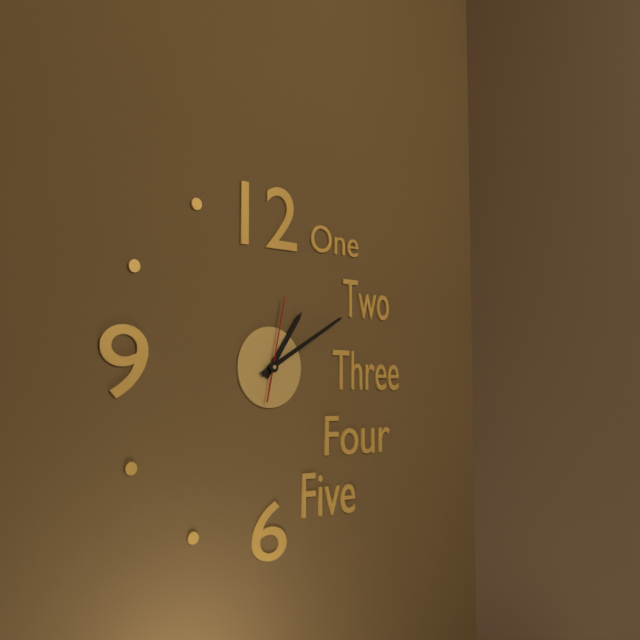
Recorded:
1 h 10 min 02 s
